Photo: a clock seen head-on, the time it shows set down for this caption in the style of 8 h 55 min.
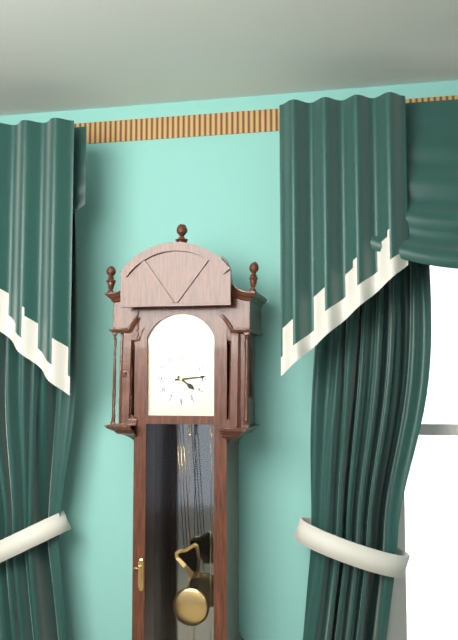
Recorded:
4 h 14 min
